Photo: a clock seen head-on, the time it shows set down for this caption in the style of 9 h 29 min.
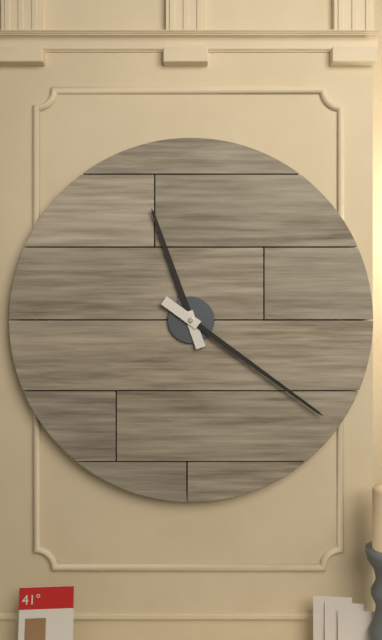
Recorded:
11 h 21 min
